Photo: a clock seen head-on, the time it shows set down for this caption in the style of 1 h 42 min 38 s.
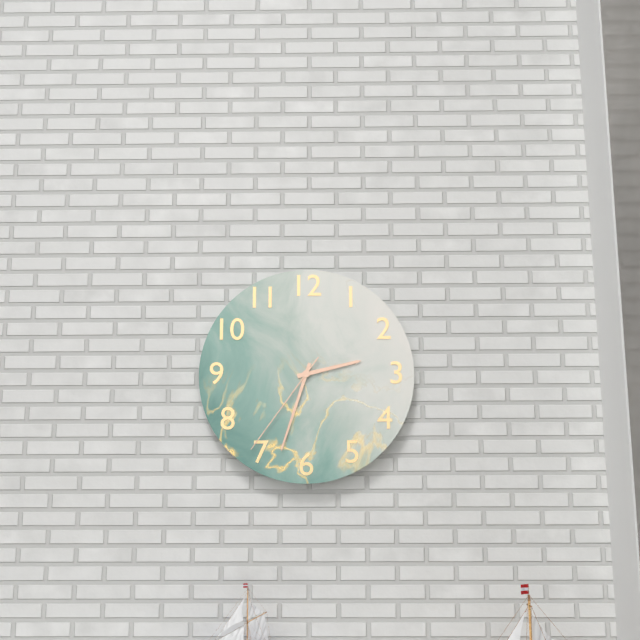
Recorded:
2 h 33 min 36 s
